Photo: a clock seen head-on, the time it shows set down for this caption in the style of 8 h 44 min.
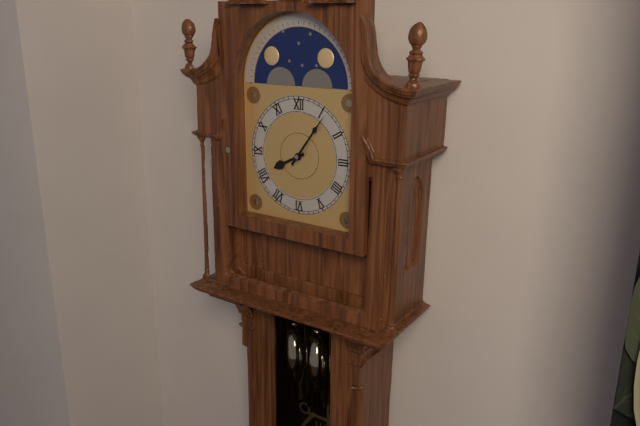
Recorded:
8 h 06 min
